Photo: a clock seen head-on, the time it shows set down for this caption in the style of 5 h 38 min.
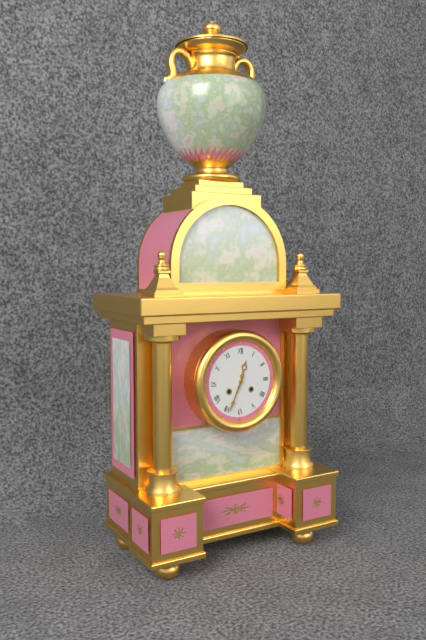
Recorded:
12 h 34 min
